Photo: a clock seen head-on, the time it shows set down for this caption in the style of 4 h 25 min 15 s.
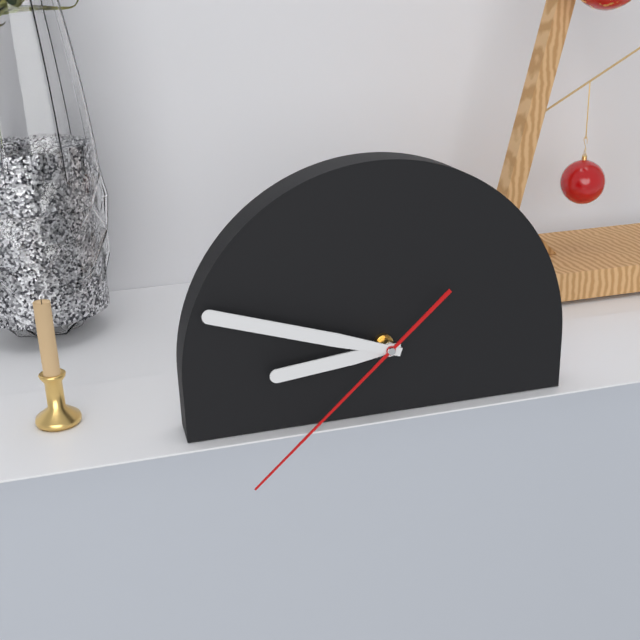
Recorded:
8 h 48 min 38 s
